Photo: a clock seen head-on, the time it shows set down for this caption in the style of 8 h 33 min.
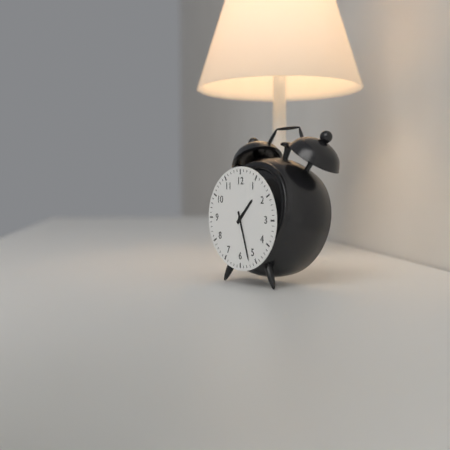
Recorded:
1 h 27 min
